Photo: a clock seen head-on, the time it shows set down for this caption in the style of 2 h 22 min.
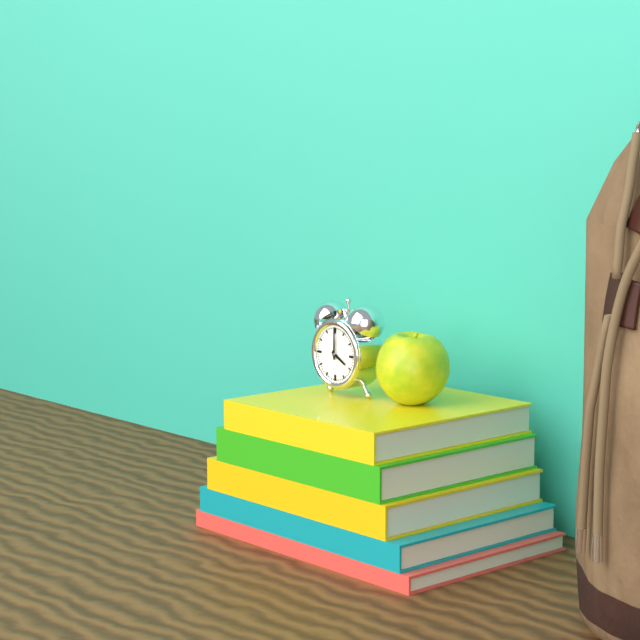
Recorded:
4 h 00 min
